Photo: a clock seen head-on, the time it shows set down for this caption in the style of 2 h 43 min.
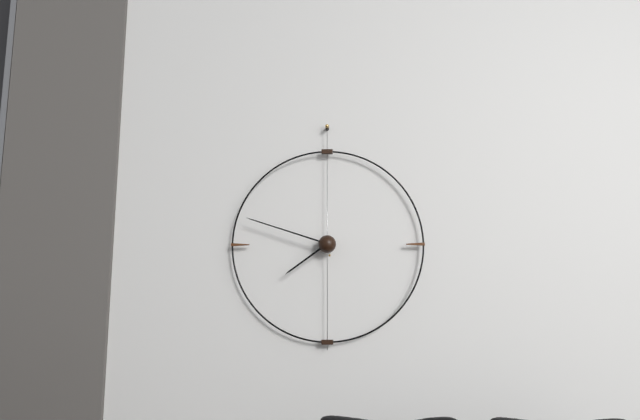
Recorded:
7 h 48 min
